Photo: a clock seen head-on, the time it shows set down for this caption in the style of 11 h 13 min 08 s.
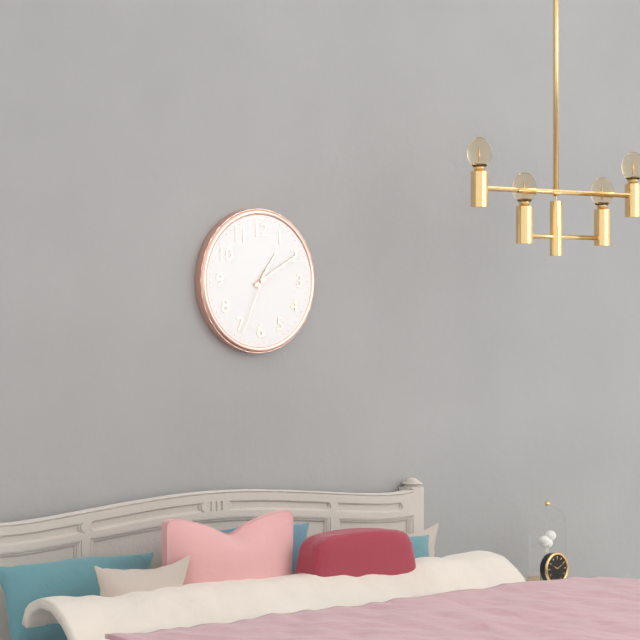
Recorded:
1 h 10 min 34 s
